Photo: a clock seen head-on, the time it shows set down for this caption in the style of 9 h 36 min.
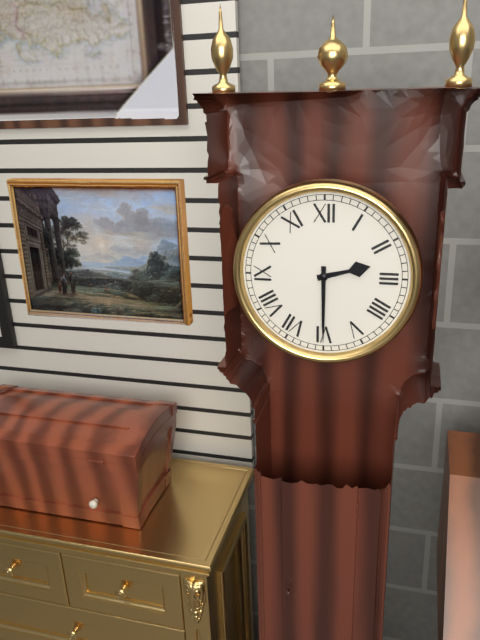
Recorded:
2 h 30 min
